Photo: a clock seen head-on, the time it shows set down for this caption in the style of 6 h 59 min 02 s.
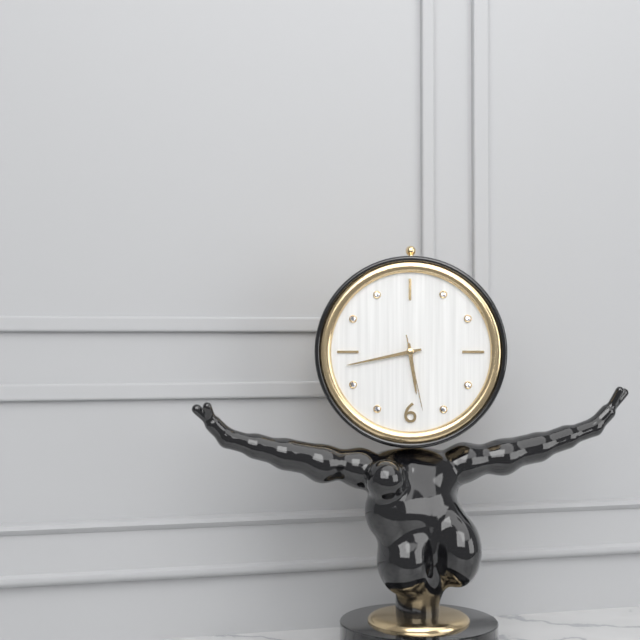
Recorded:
5 h 43 min 28 s
